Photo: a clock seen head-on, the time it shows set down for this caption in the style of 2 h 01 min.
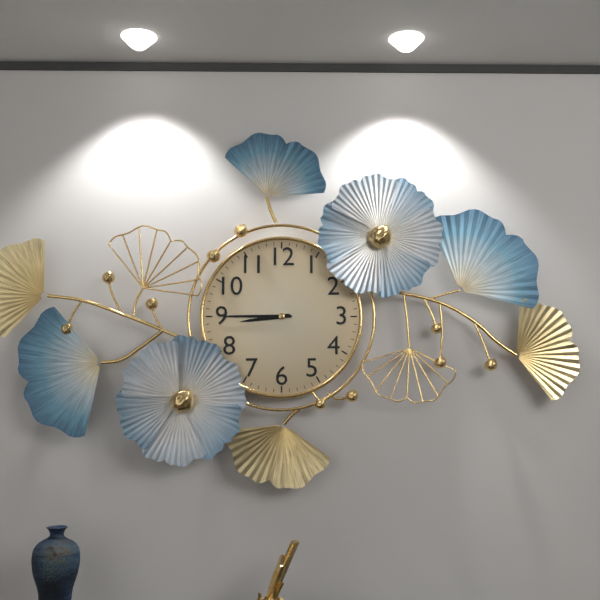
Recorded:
8 h 45 min
